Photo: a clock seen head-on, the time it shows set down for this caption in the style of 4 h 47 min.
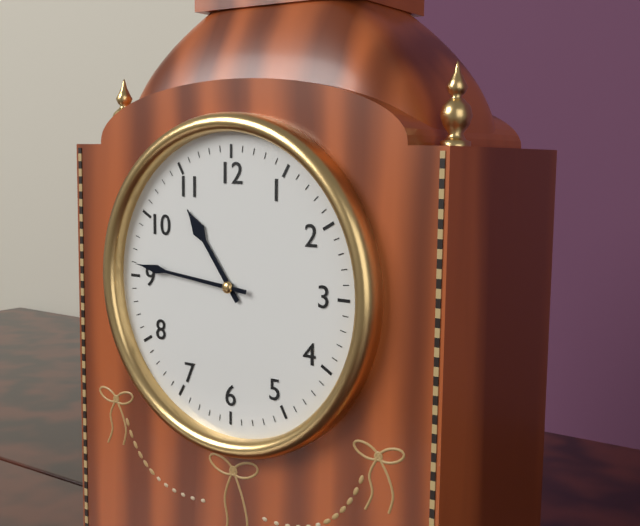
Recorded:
10 h 46 min
